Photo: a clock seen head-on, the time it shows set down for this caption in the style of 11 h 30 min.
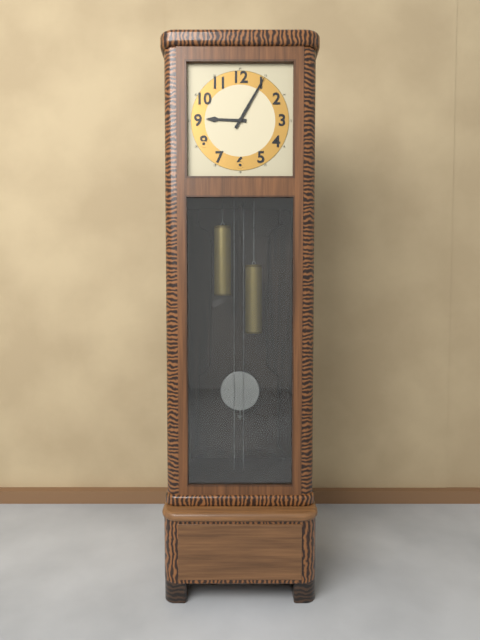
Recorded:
9 h 05 min
